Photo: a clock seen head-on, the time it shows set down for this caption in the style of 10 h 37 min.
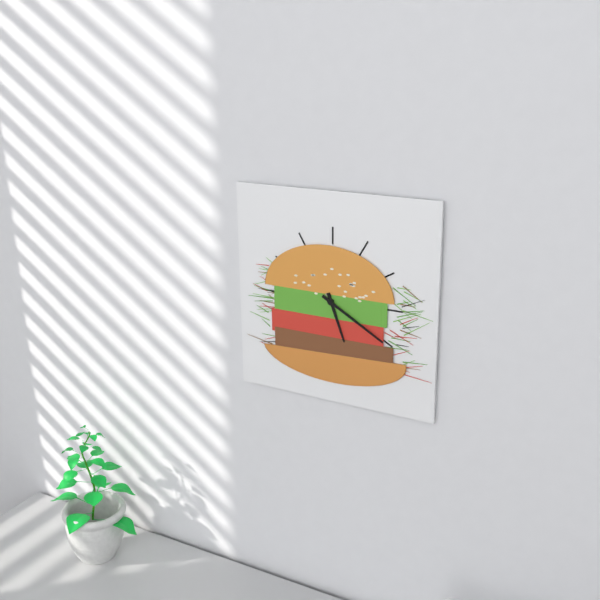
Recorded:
5 h 20 min
